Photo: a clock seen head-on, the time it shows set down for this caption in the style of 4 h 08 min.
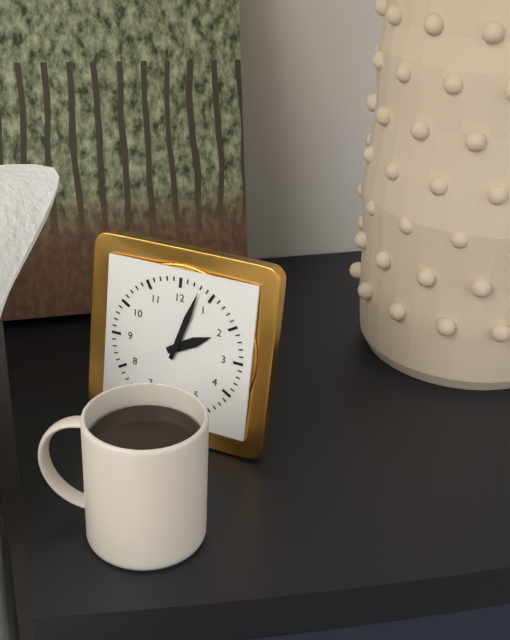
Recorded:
2 h 03 min
